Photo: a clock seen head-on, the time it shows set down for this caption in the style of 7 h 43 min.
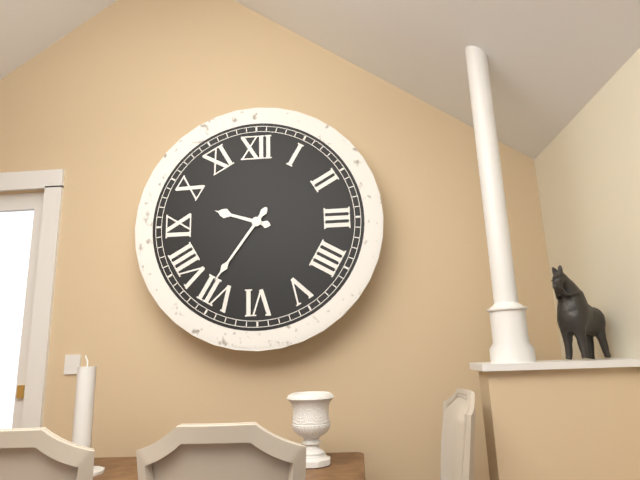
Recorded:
9 h 36 min
